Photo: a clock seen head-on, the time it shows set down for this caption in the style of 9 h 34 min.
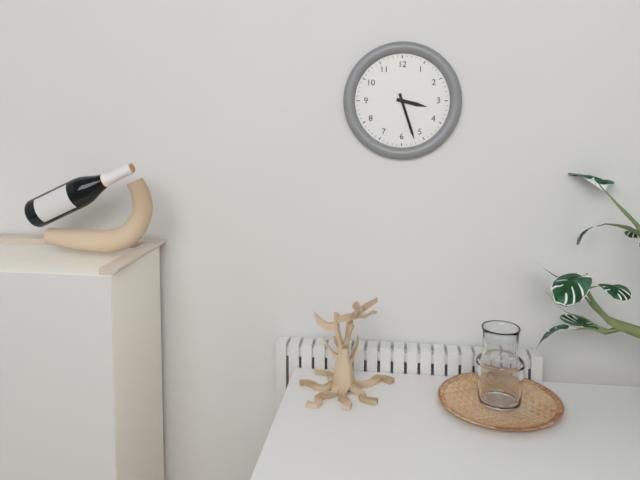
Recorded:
3 h 27 min
